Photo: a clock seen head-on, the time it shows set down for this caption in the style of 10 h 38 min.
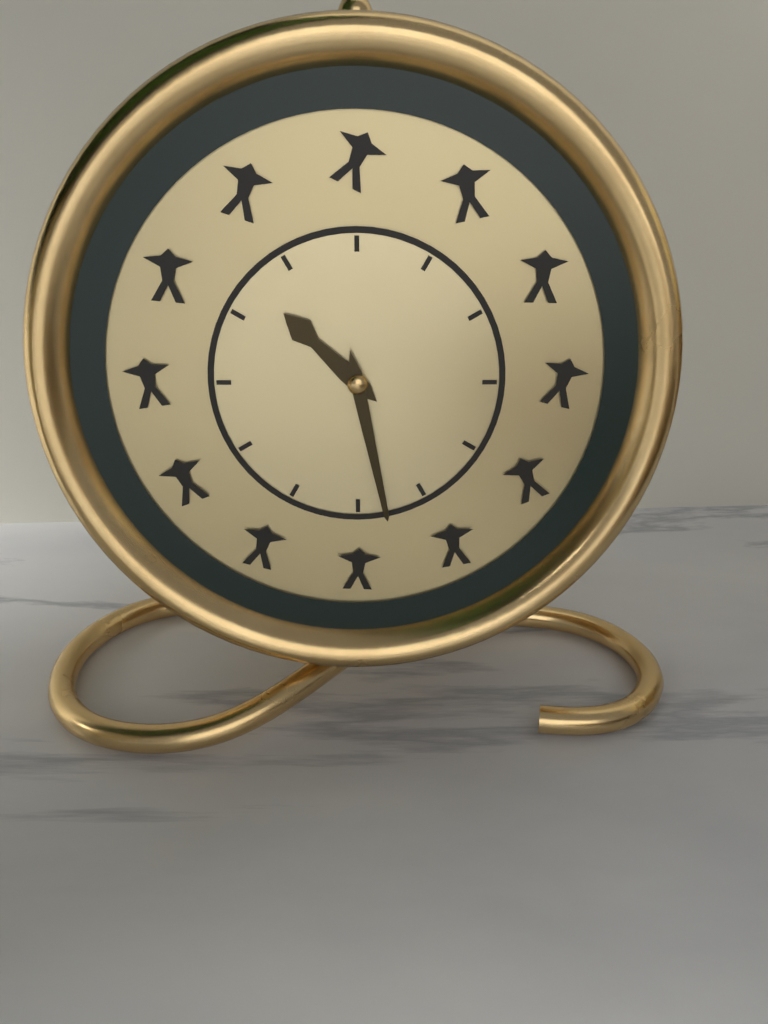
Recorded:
10 h 28 min
